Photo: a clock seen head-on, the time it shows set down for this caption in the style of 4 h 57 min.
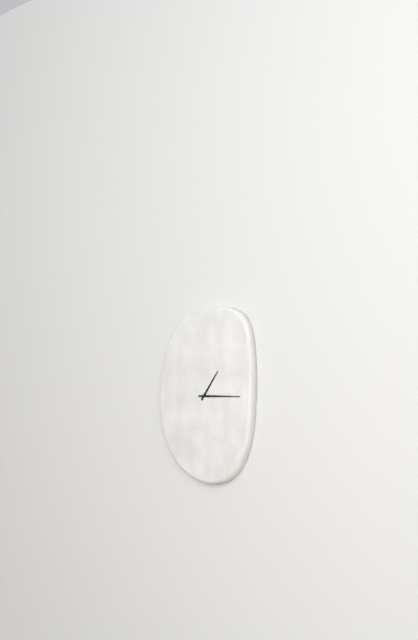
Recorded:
1 h 15 min
